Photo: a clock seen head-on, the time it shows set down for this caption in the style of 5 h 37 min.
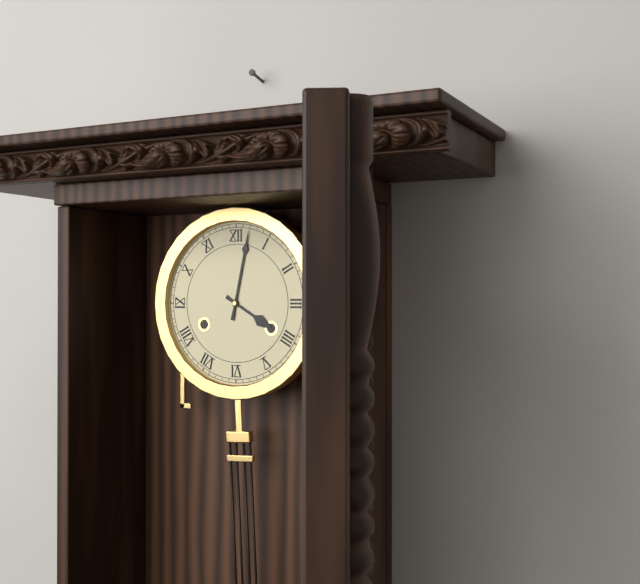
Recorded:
4 h 02 min
